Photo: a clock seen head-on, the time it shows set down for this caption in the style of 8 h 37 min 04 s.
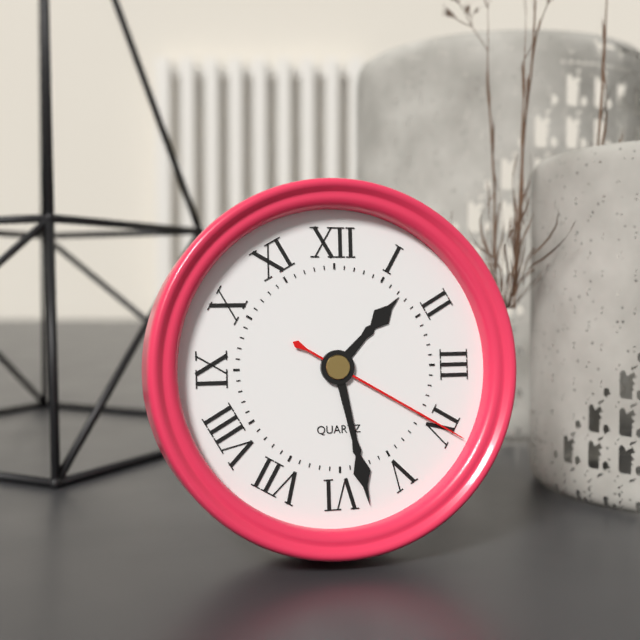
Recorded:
1 h 28 min 20 s
